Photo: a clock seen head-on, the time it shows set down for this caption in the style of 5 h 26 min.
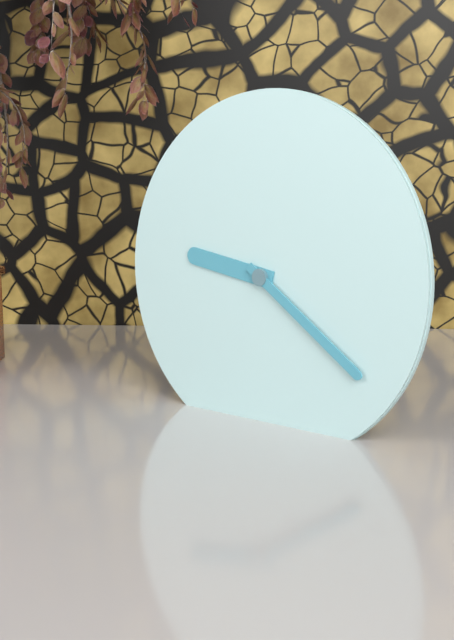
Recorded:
9 h 21 min
